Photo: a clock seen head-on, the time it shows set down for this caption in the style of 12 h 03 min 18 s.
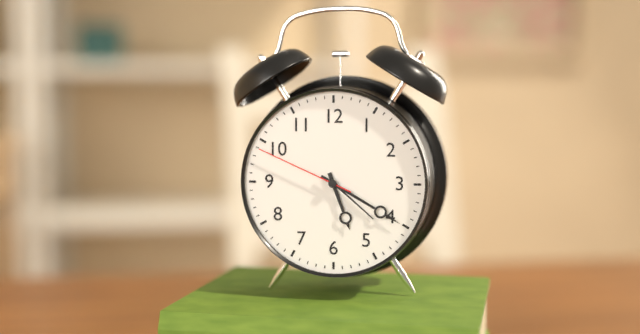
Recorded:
5 h 20 min 49 s
